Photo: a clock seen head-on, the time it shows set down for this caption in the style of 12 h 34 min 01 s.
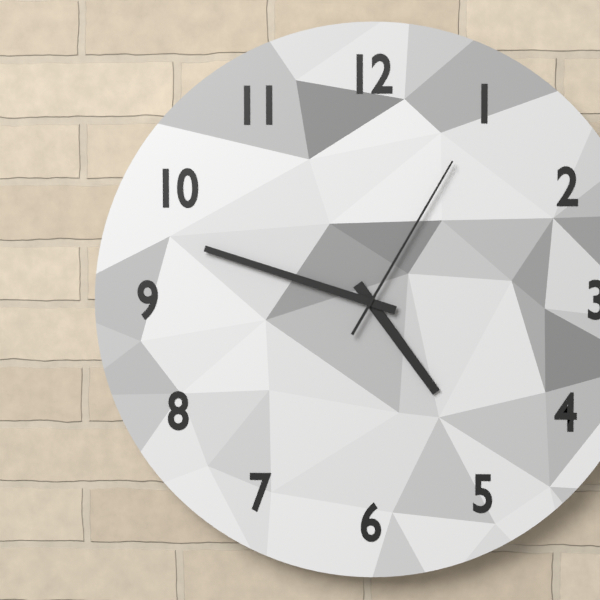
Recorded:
4 h 48 min 05 s
